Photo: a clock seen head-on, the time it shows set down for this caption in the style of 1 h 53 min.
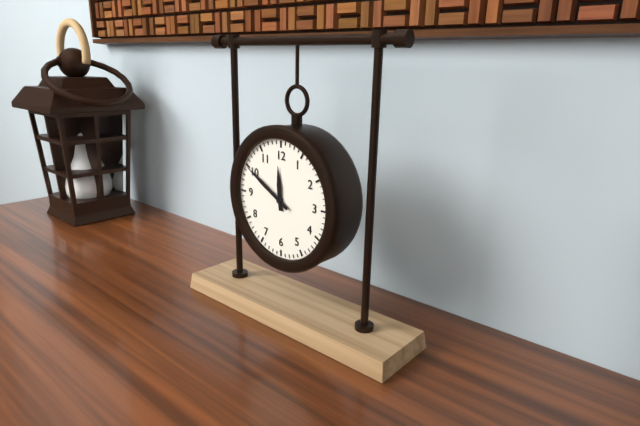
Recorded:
11 h 50 min
